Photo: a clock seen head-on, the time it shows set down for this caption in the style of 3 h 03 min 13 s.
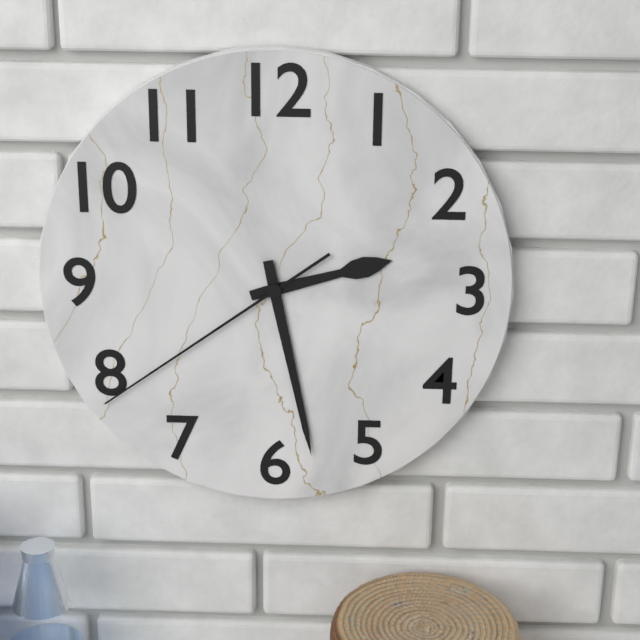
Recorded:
2 h 28 min 39 s
